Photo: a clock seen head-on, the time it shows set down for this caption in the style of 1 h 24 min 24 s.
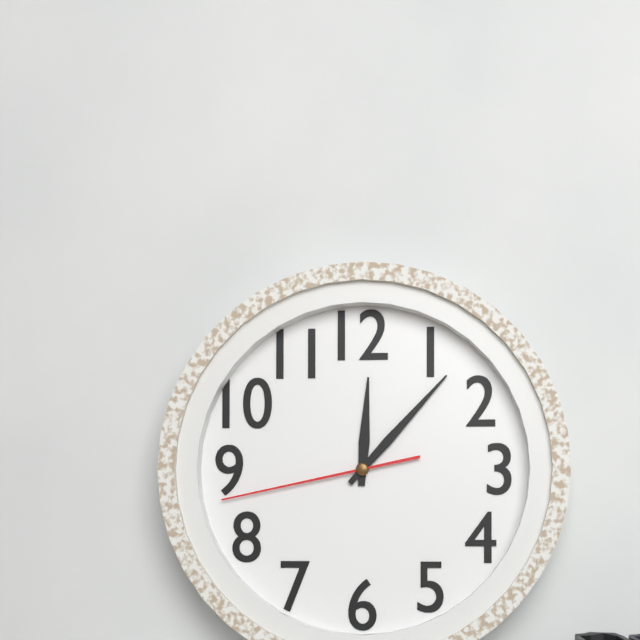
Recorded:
12 h 07 min 43 s
